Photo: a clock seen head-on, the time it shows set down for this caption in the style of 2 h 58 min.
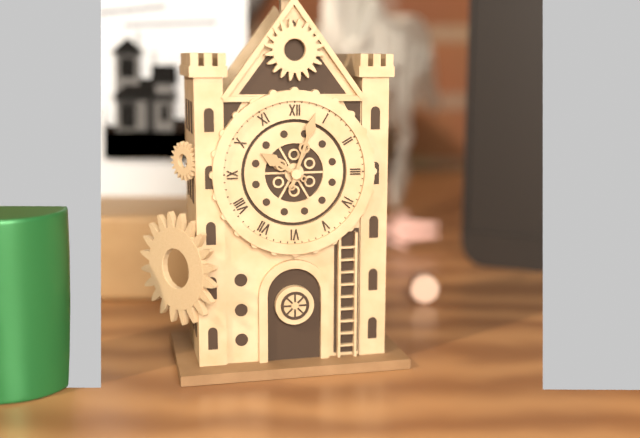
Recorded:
10 h 03 min
